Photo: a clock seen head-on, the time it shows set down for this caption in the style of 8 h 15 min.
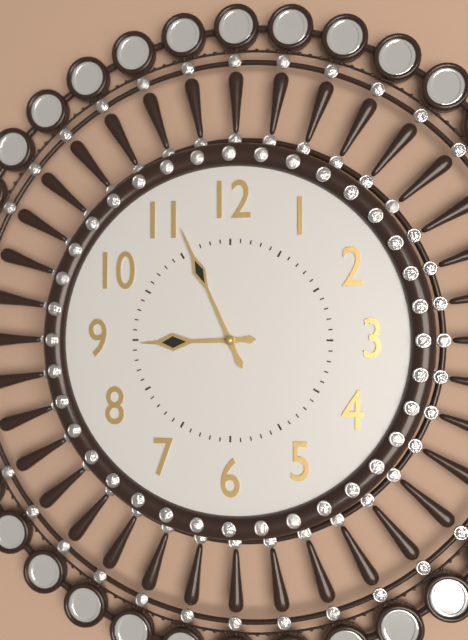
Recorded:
8 h 56 min
